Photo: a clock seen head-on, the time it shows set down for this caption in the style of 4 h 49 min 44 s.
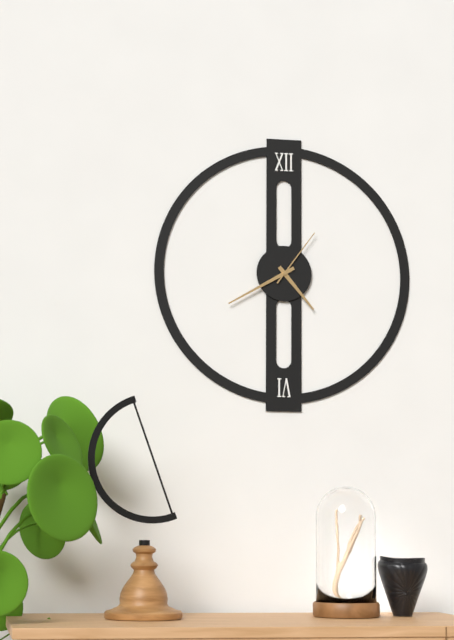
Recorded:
4 h 40 min 06 s
